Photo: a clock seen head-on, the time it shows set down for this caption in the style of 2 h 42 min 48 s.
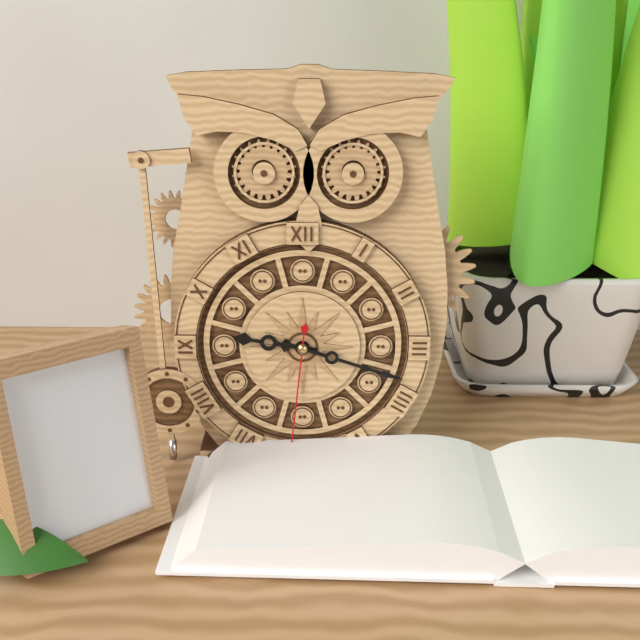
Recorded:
9 h 18 min 31 s
